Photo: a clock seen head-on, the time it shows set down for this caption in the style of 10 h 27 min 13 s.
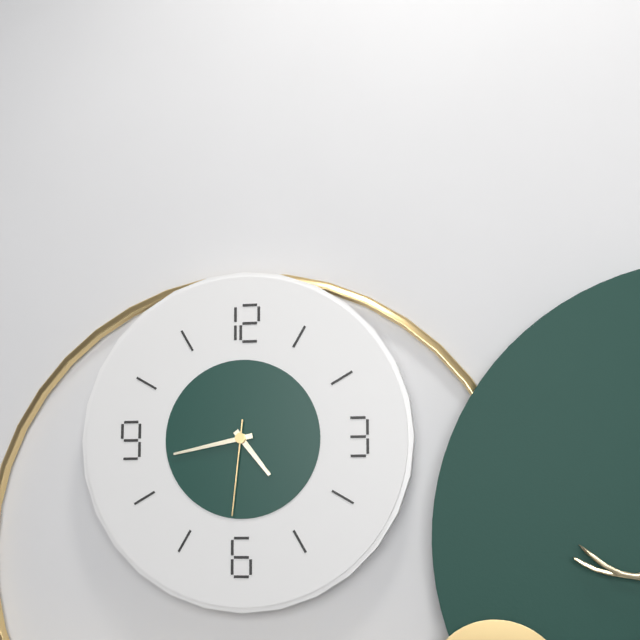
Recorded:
4 h 43 min 31 s
